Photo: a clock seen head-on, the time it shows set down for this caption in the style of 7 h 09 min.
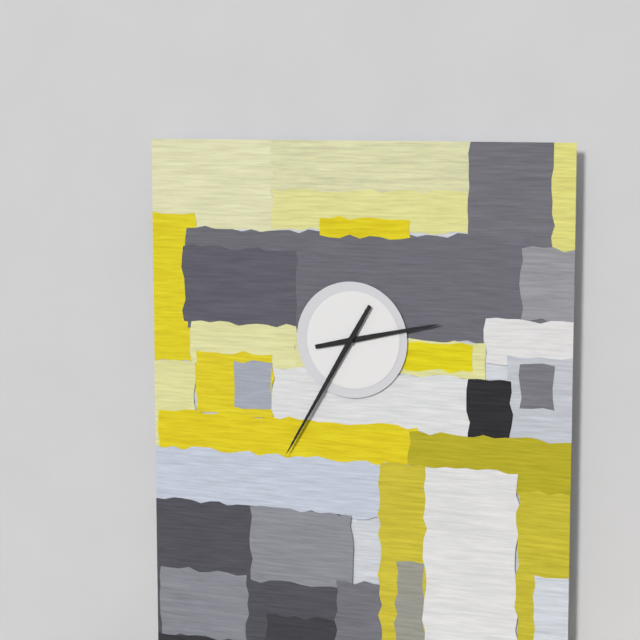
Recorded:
2 h 35 min
